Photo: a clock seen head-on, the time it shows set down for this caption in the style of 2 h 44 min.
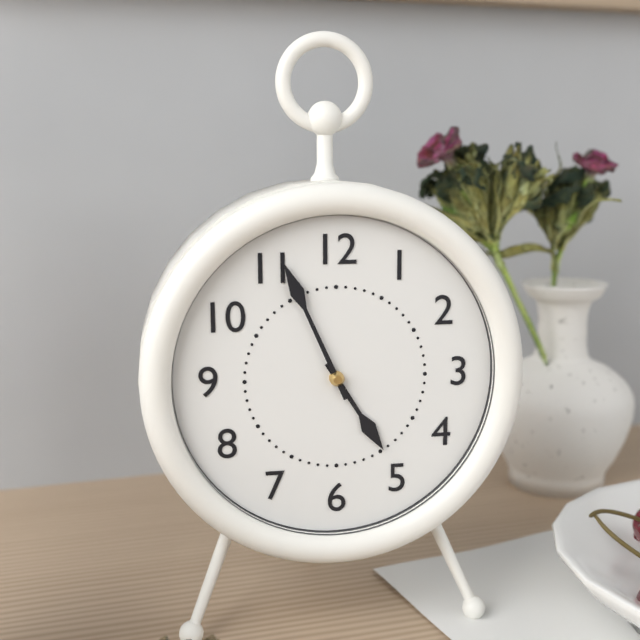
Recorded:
4 h 56 min
